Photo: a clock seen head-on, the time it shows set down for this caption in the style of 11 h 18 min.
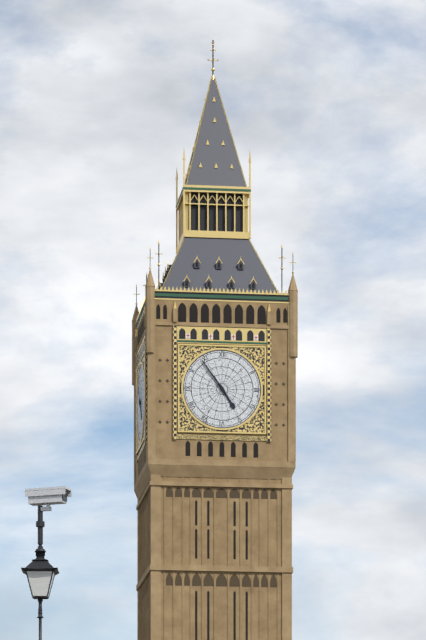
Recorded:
4 h 54 min
